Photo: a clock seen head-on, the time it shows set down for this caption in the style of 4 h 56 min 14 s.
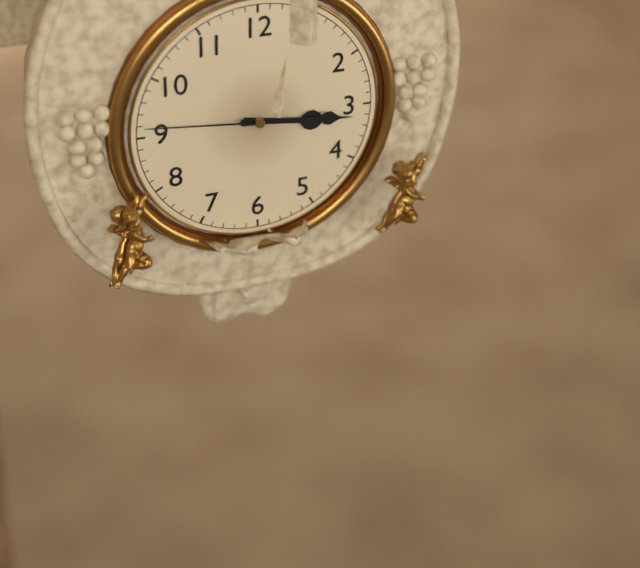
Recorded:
3 h 16 min 46 s
